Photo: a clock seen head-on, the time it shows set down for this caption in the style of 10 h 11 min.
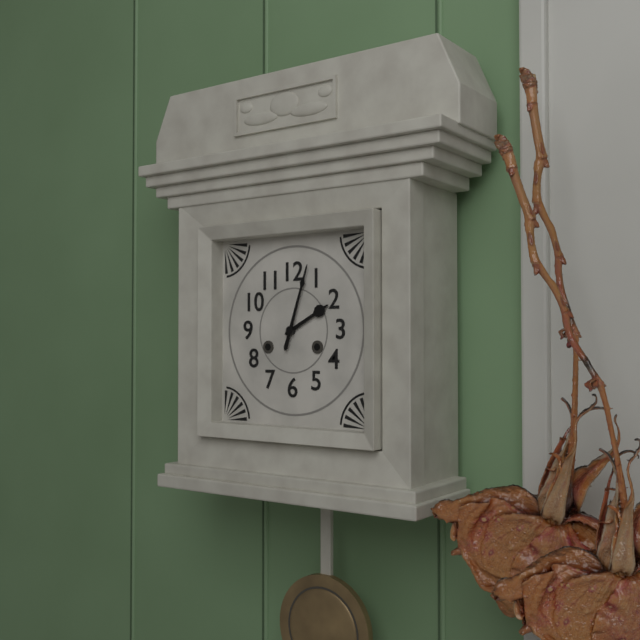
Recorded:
2 h 03 min
